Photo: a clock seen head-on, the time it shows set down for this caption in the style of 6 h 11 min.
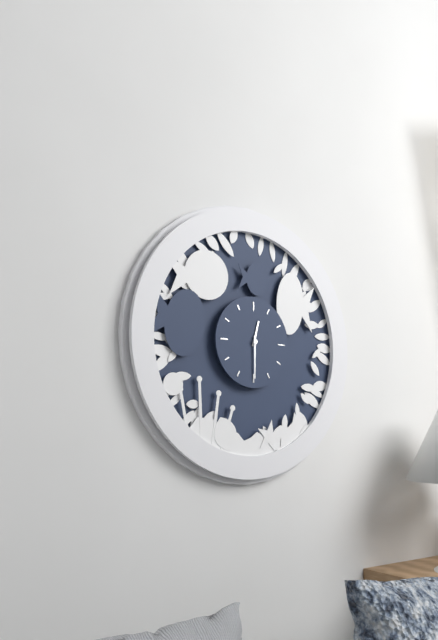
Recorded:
12 h 30 min
